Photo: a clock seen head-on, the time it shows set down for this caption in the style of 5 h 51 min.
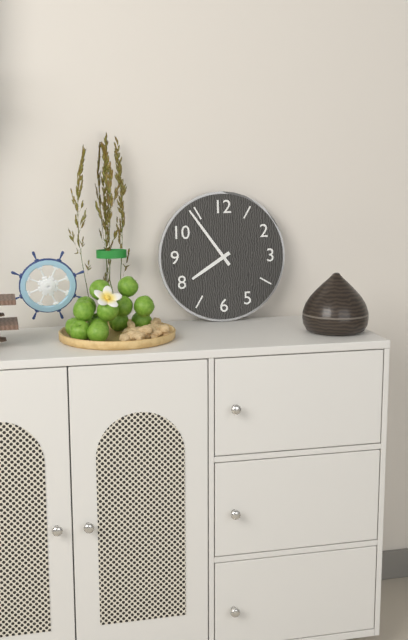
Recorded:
7 h 54 min
